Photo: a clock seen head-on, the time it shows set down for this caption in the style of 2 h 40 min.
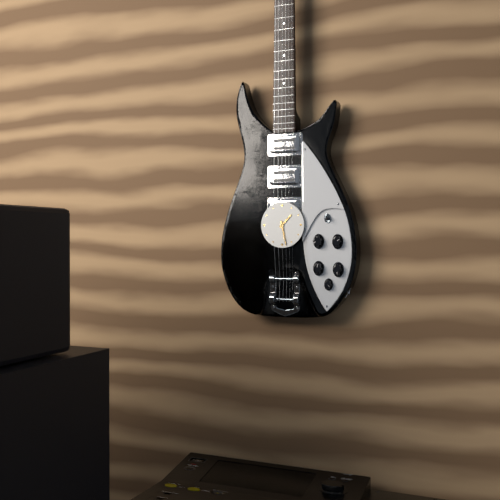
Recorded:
1 h 28 min
